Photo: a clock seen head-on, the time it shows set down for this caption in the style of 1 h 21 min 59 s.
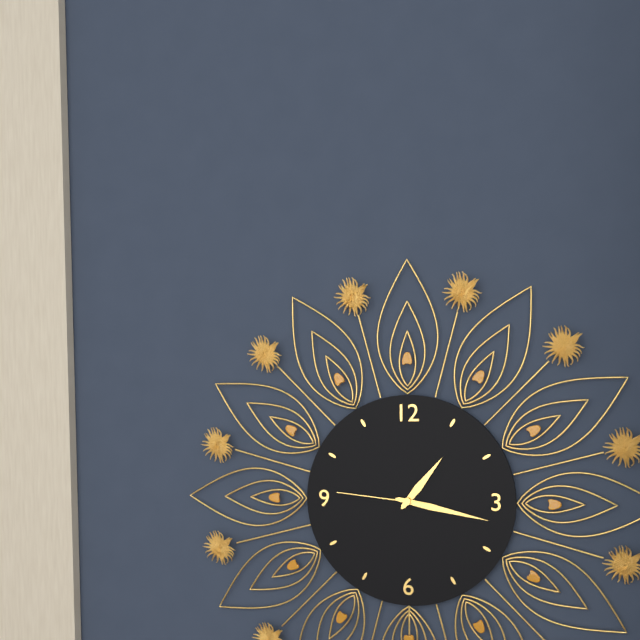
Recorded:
1 h 17 min 46 s
